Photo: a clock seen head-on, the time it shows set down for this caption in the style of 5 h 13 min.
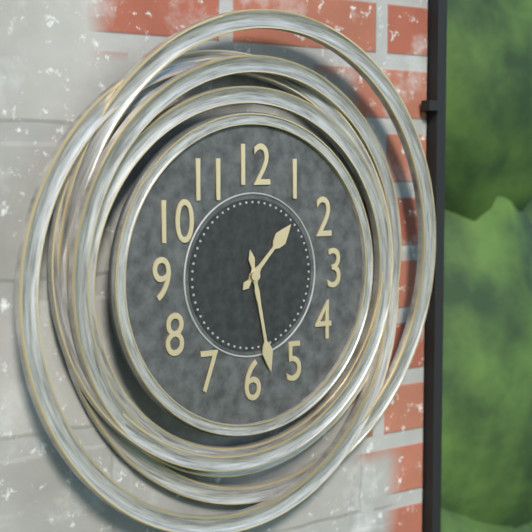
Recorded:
1 h 28 min
